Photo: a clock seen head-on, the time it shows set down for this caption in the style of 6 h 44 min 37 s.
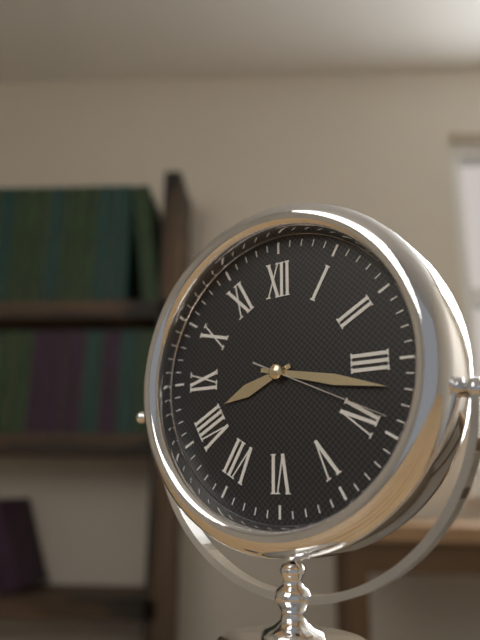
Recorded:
8 h 17 min 19 s
